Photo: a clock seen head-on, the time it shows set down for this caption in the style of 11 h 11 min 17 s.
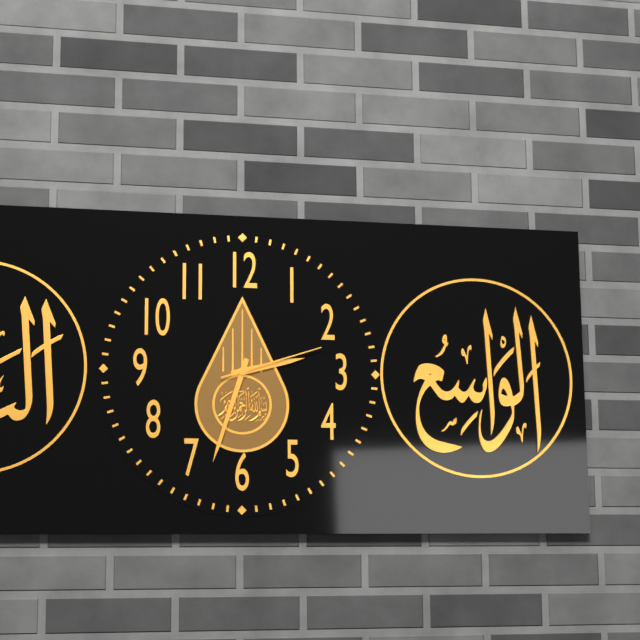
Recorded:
2 h 33 min 12 s
